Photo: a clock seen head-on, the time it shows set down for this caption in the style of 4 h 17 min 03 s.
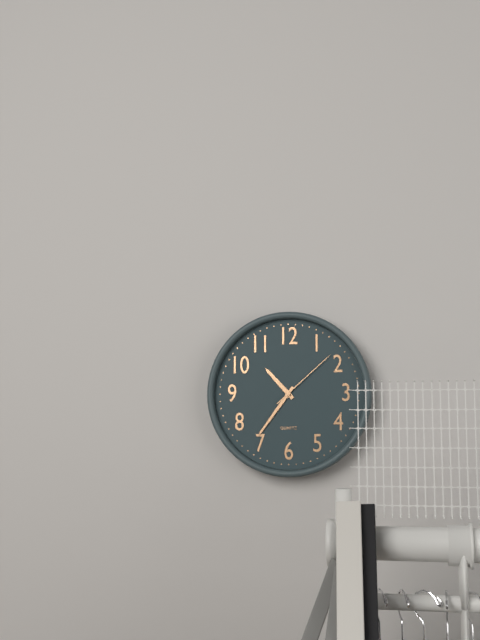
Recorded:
10 h 36 min 08 s
